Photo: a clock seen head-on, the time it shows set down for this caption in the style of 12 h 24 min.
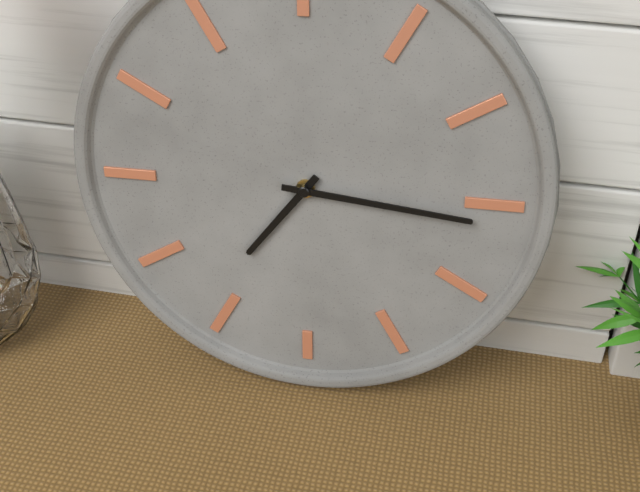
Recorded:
7 h 16 min
